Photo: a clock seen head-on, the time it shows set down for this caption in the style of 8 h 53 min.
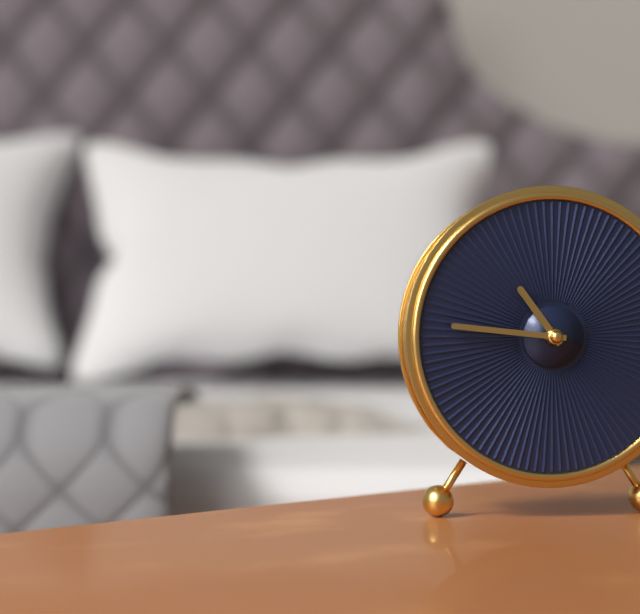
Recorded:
10 h 46 min
